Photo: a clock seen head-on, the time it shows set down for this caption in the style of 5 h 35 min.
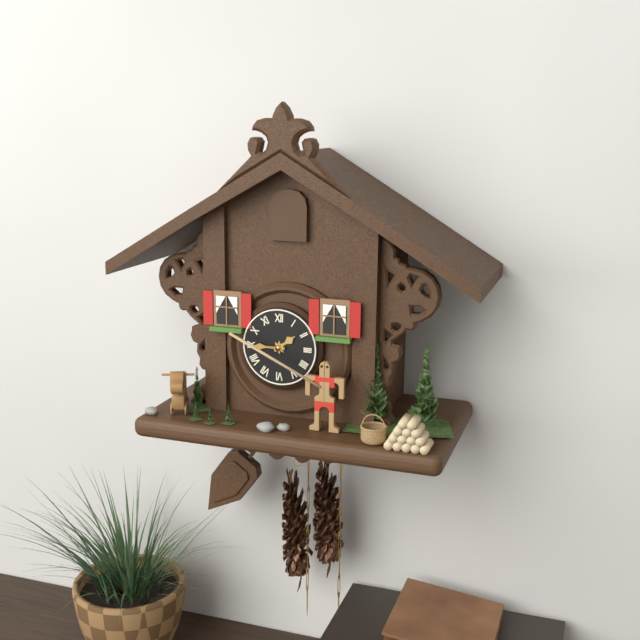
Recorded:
1 h 45 min
